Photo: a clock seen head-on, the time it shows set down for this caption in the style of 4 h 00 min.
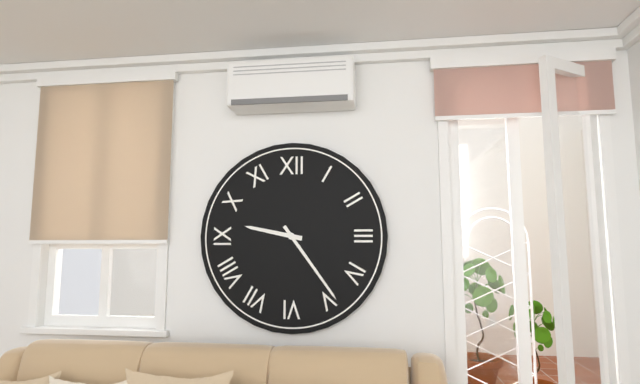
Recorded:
9 h 24 min
